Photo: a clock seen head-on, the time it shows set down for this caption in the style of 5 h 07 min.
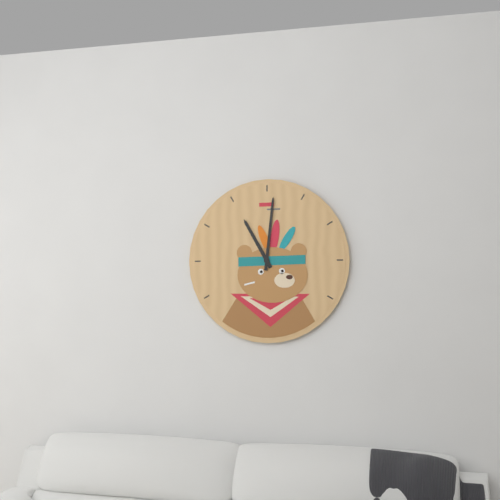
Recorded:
11 h 01 min
